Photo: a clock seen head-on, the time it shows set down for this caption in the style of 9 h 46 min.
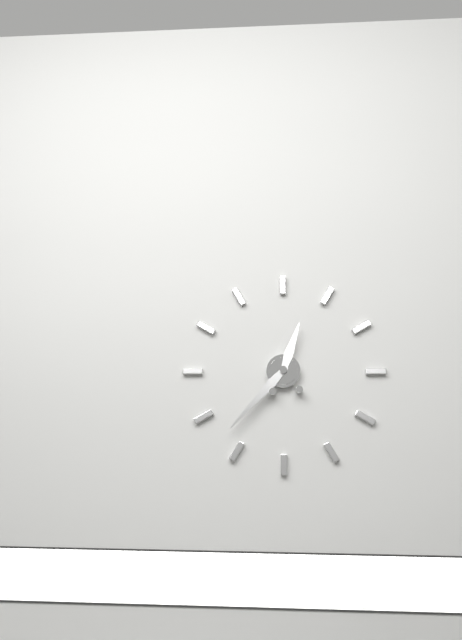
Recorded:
12 h 37 min
